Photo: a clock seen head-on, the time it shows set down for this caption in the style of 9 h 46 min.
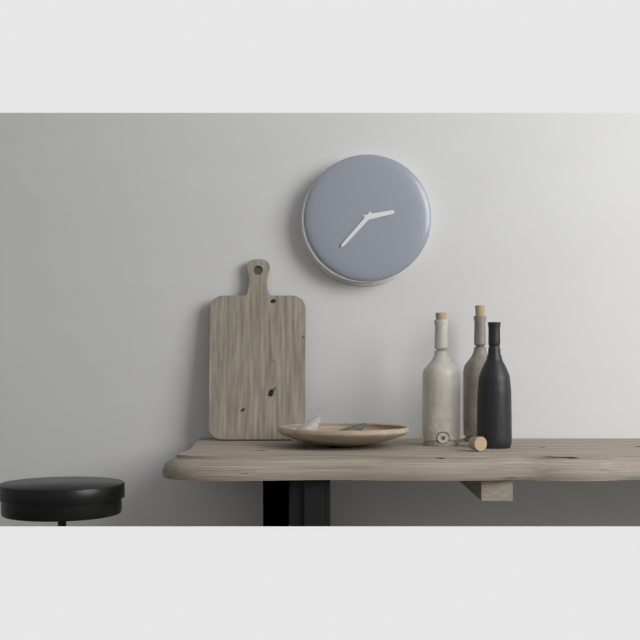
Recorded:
2 h 37 min
